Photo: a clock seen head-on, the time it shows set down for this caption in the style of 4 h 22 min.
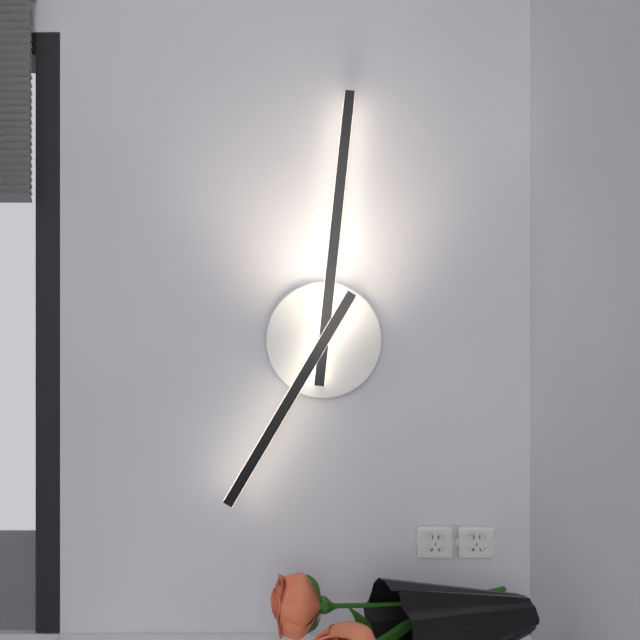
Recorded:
7 h 01 min
